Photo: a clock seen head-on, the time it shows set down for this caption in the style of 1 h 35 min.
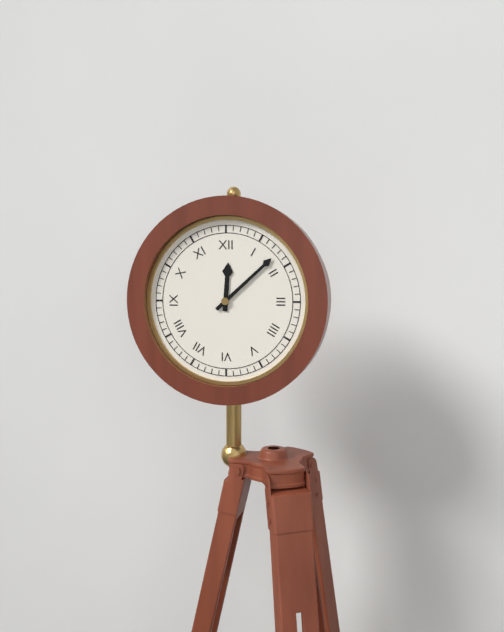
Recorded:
12 h 08 min
